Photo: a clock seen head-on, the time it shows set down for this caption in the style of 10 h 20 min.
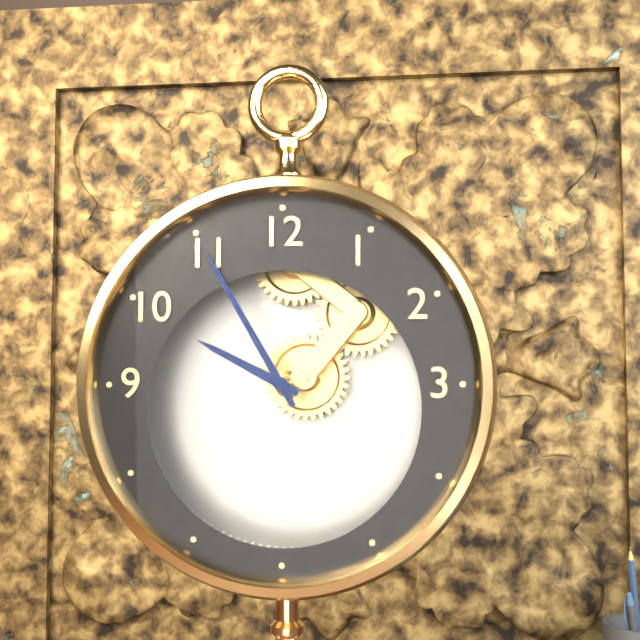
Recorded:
9 h 55 min
